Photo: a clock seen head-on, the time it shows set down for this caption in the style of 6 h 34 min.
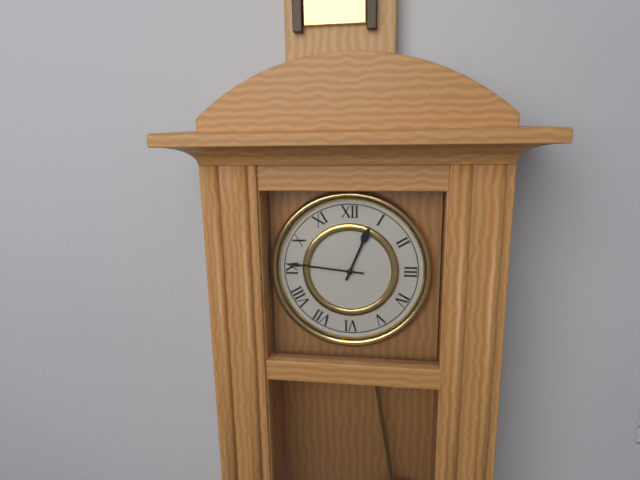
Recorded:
12 h 46 min
